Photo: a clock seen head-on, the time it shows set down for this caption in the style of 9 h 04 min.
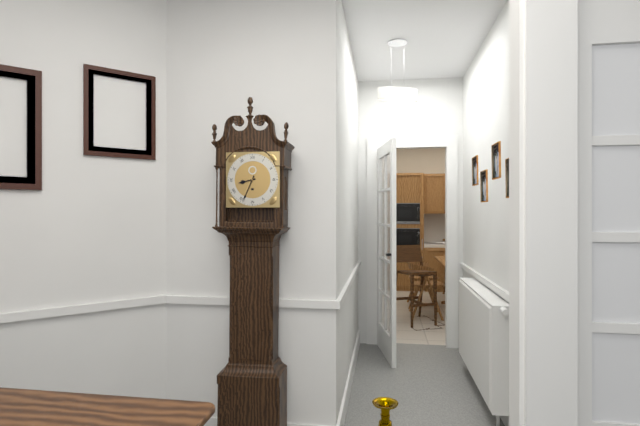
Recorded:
8 h 34 min
